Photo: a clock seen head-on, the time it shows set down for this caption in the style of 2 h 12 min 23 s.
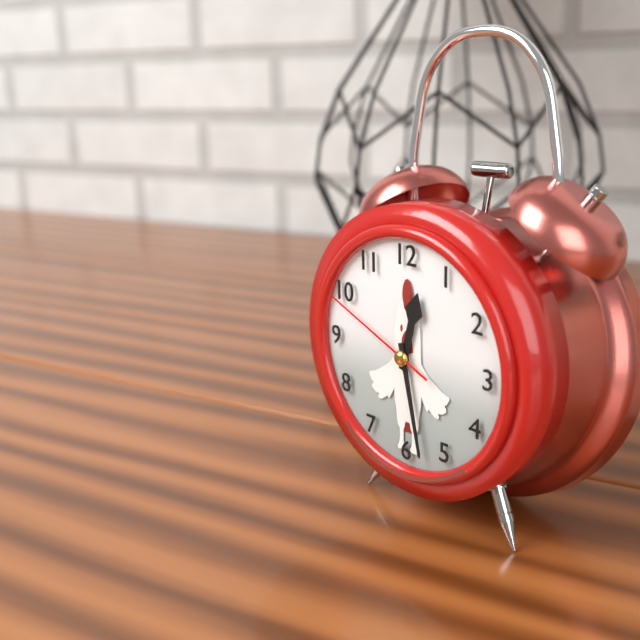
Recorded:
12 h 28 min 49 s
